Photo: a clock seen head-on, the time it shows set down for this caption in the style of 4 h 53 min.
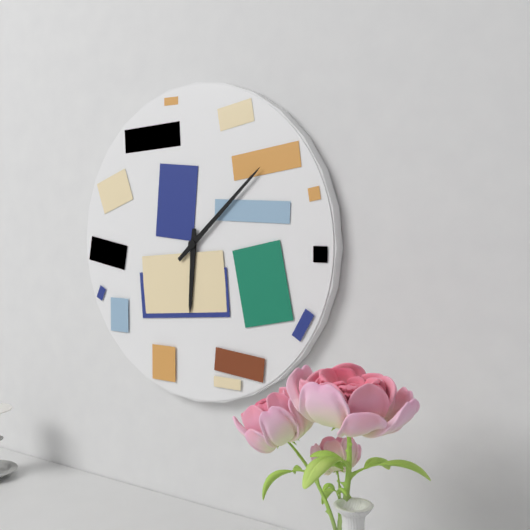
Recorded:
6 h 08 min
